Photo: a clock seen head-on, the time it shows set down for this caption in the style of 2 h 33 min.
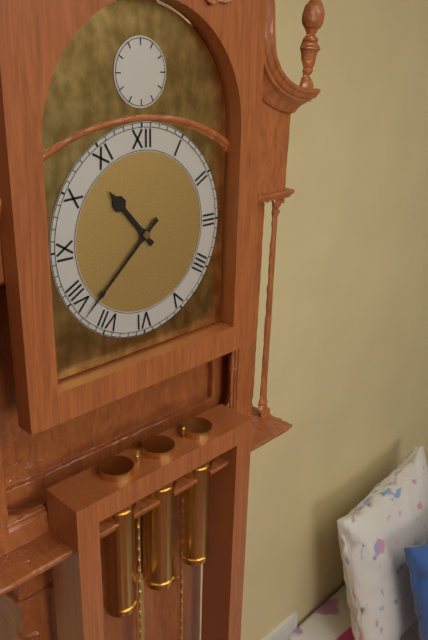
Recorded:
10 h 38 min
